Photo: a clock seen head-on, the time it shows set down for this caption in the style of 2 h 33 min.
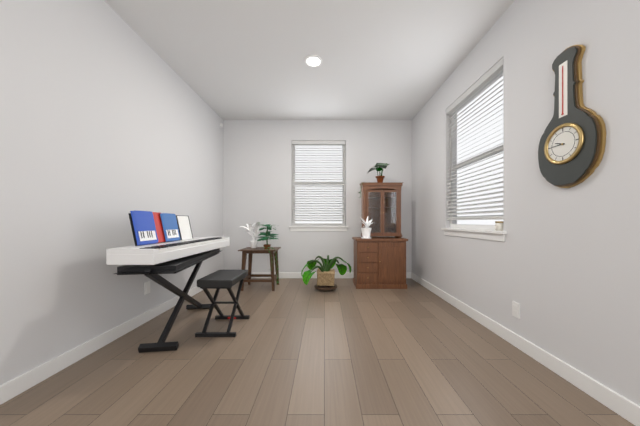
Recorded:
9 h 45 min
